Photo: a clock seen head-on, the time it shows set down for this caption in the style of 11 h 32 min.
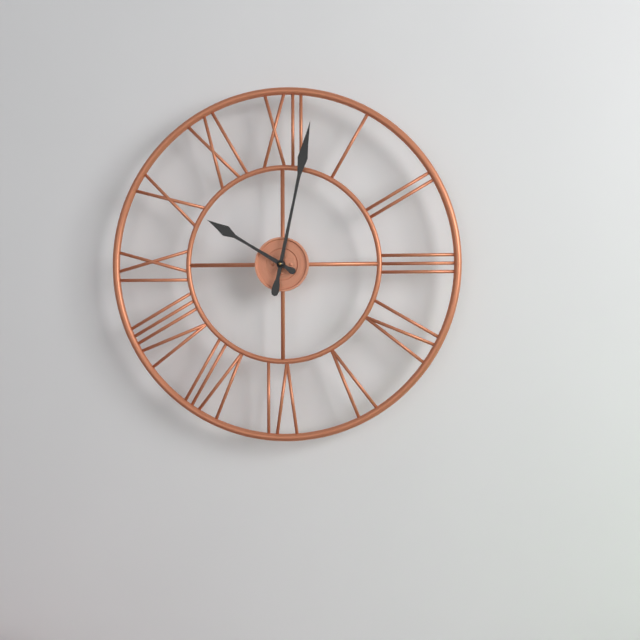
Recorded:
10 h 02 min
